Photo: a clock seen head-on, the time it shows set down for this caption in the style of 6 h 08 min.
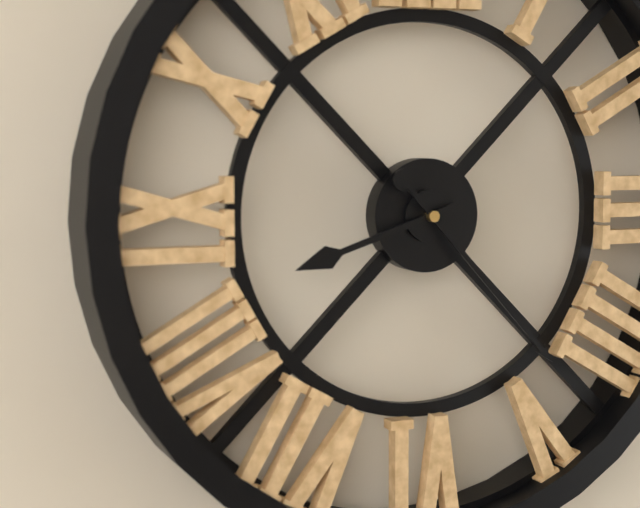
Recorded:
8 h 23 min
